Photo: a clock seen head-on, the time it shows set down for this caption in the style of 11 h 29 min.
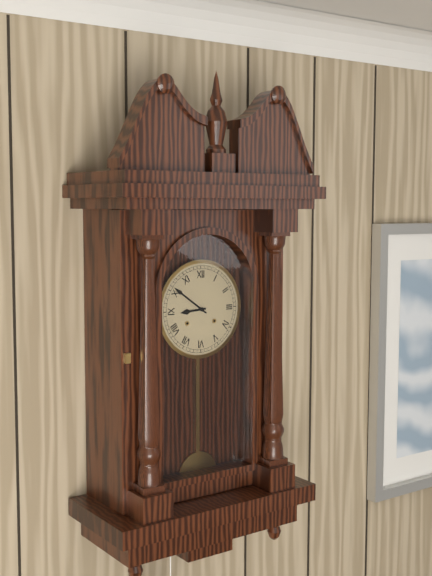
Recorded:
8 h 51 min
